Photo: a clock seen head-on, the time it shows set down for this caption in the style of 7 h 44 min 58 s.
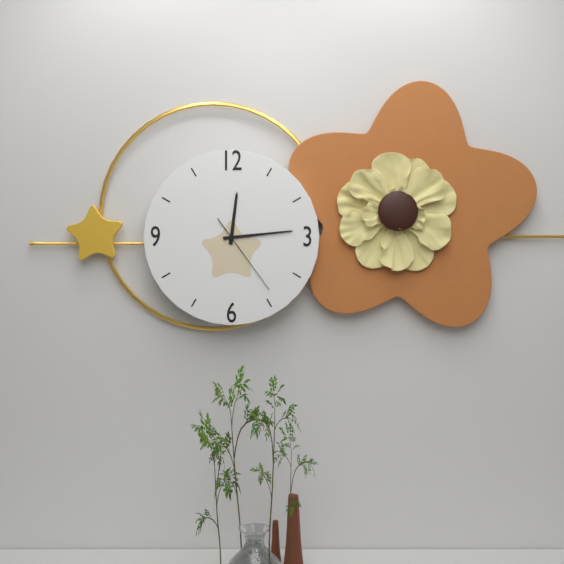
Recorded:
12 h 14 min 24 s
